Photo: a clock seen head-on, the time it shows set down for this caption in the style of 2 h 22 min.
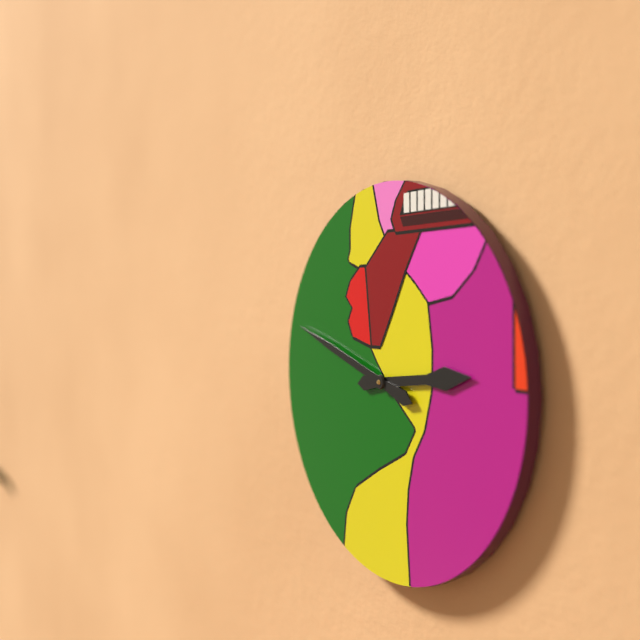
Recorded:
2 h 48 min
